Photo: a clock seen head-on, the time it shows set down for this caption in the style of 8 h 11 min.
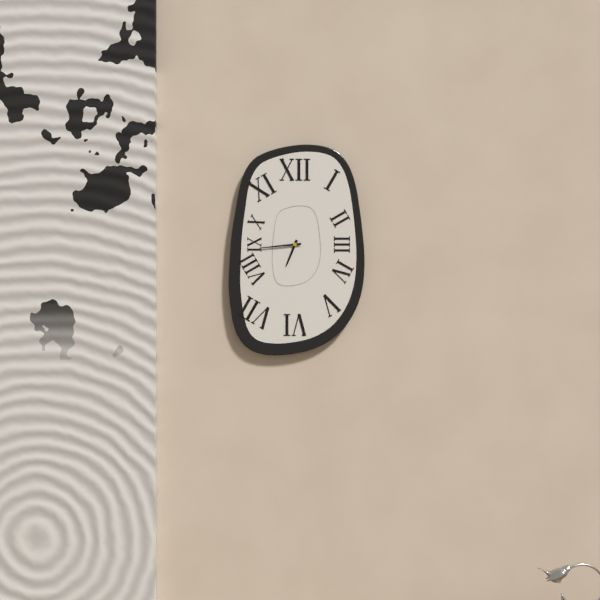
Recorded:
6 h 44 min
